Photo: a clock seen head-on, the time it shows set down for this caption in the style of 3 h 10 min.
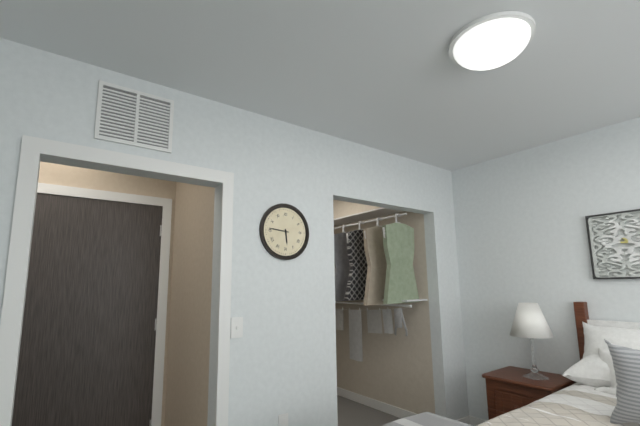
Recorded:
5 h 46 min
